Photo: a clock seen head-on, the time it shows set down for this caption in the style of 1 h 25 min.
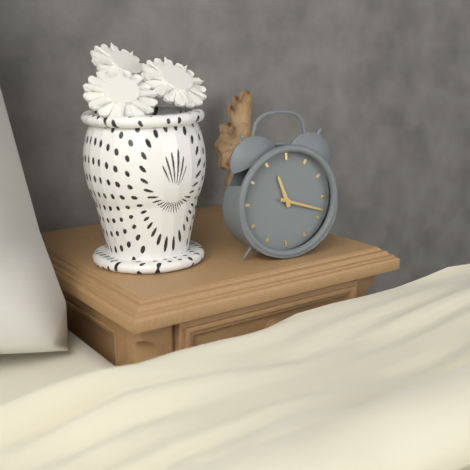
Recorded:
11 h 18 min
